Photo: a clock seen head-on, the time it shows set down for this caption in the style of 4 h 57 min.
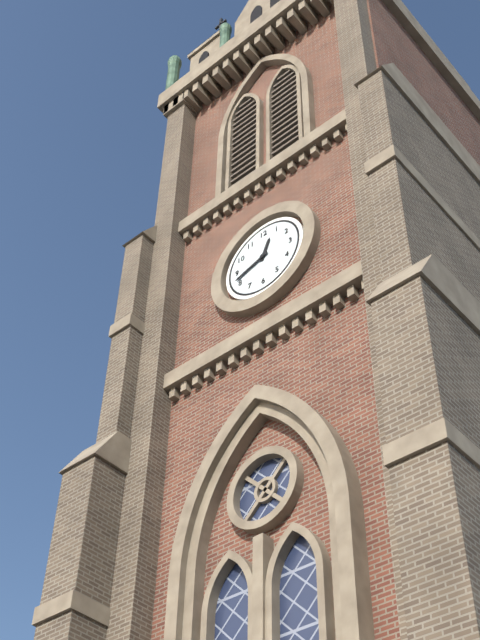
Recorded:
12 h 42 min
